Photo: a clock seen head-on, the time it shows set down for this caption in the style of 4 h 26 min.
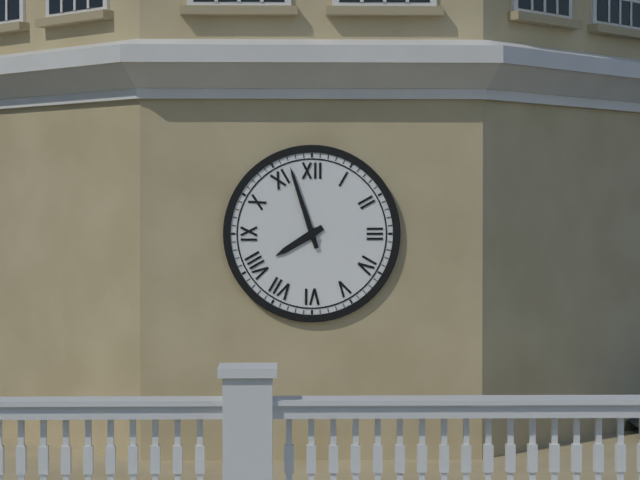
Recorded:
7 h 57 min
